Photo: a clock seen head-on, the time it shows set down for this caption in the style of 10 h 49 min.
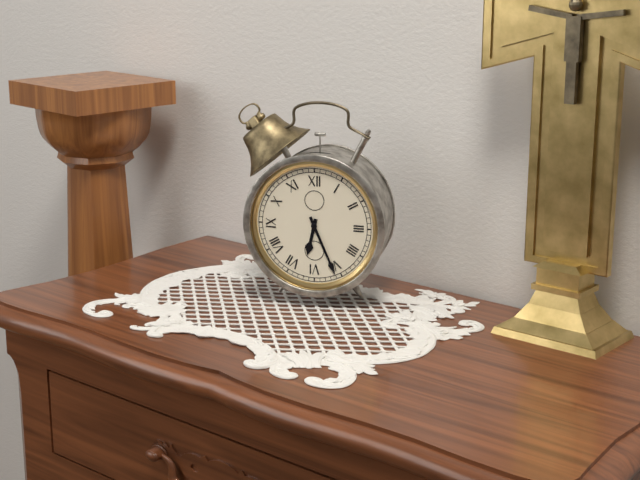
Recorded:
6 h 26 min
